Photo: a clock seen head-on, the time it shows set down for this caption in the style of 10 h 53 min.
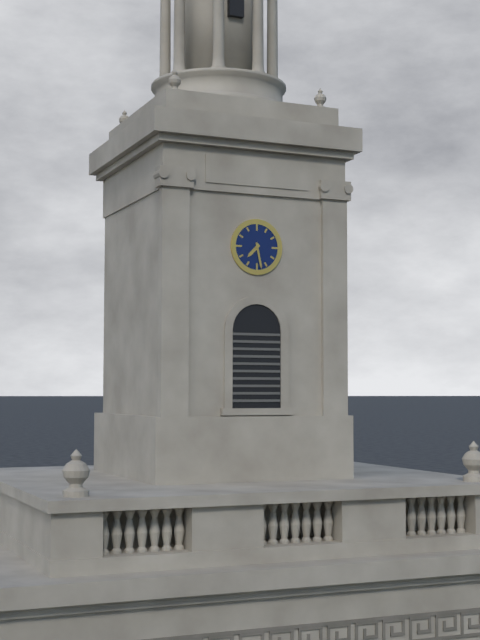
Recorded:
7 h 28 min
